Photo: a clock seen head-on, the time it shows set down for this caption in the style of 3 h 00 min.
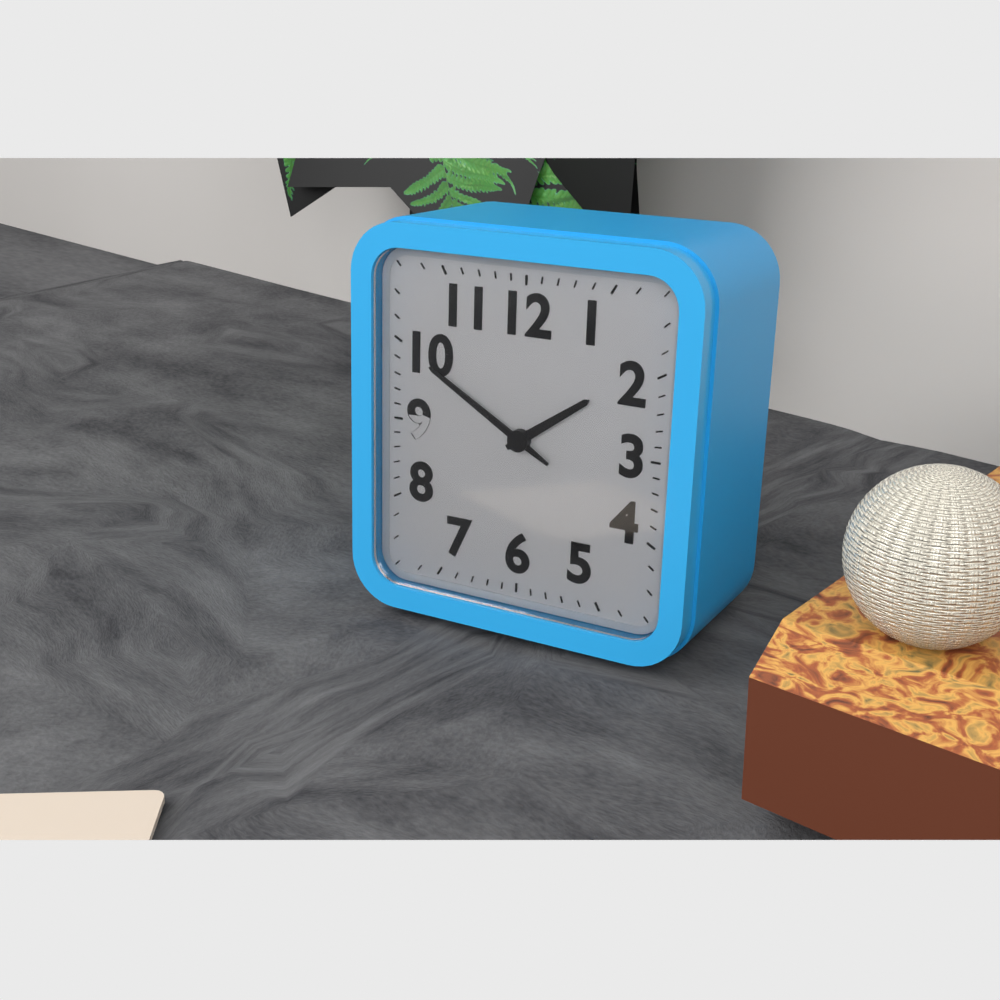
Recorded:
1 h 50 min
